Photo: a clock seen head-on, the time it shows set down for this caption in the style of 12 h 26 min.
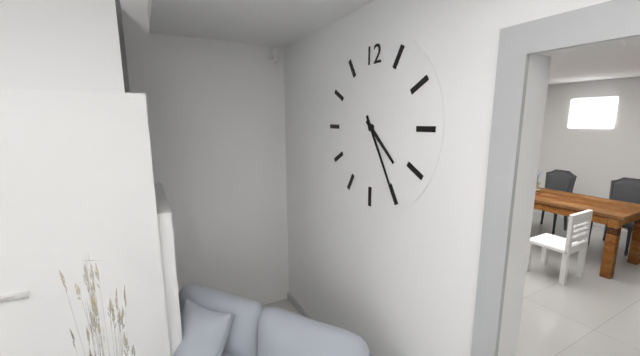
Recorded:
4 h 25 min
